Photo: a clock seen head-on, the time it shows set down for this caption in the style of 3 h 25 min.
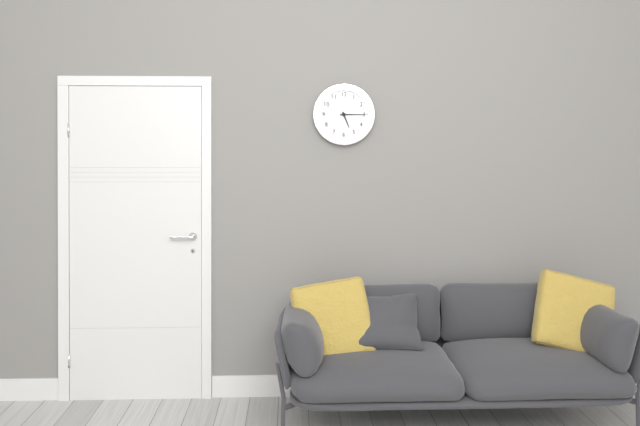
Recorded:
5 h 15 min
